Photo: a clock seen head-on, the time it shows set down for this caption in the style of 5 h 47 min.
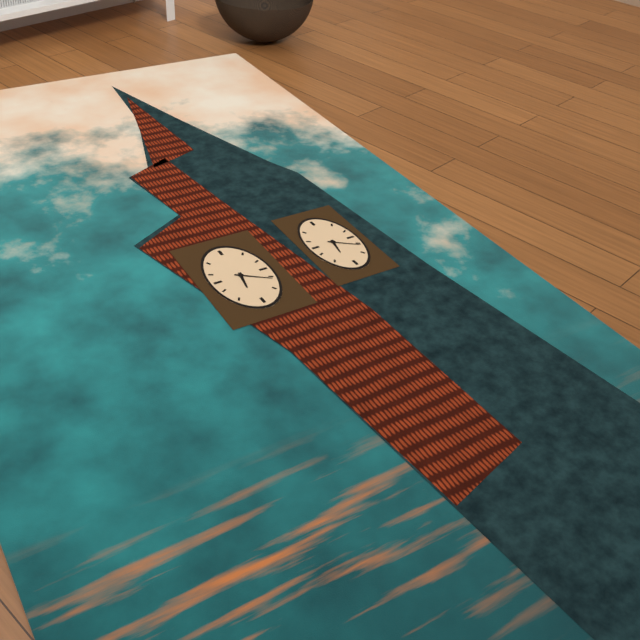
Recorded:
6 h 21 min
